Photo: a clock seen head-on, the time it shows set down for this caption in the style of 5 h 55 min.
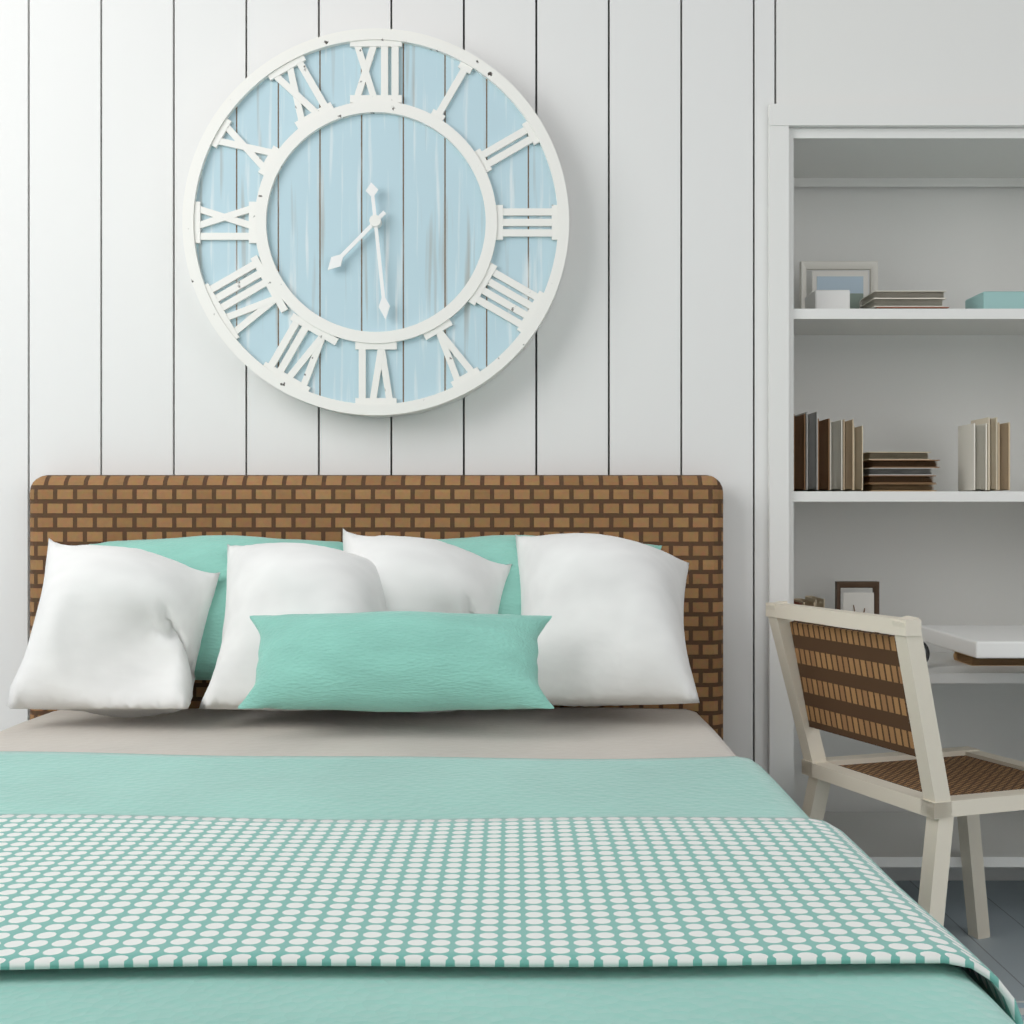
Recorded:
7 h 29 min
